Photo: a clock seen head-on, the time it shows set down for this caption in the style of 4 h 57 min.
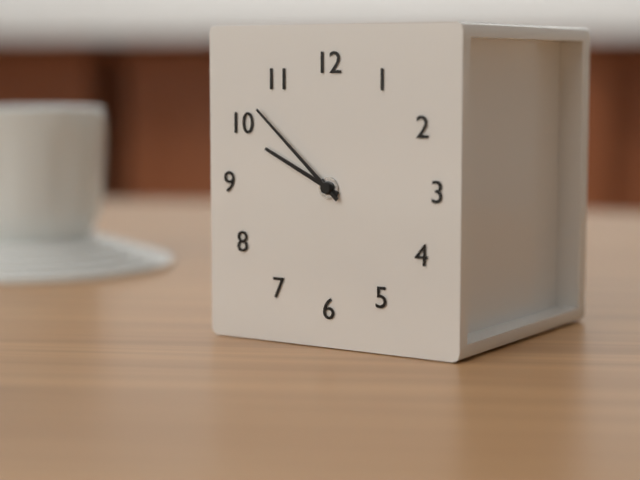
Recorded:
9 h 52 min
